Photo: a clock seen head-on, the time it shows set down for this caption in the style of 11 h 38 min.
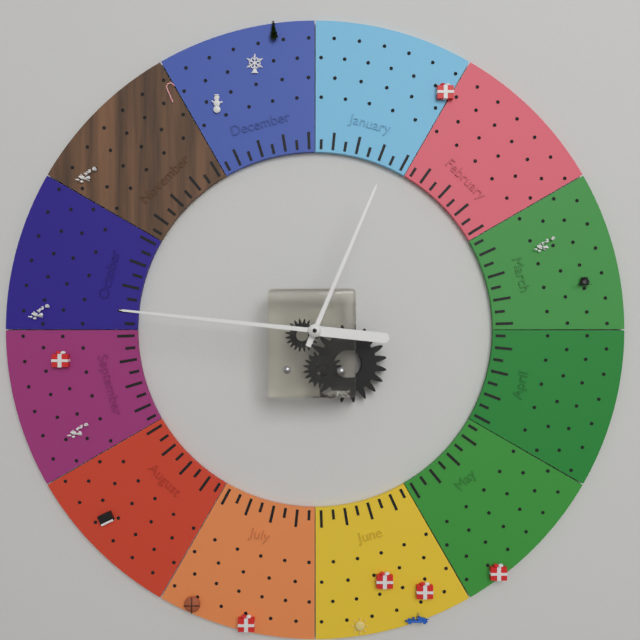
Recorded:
12 h 46 min
